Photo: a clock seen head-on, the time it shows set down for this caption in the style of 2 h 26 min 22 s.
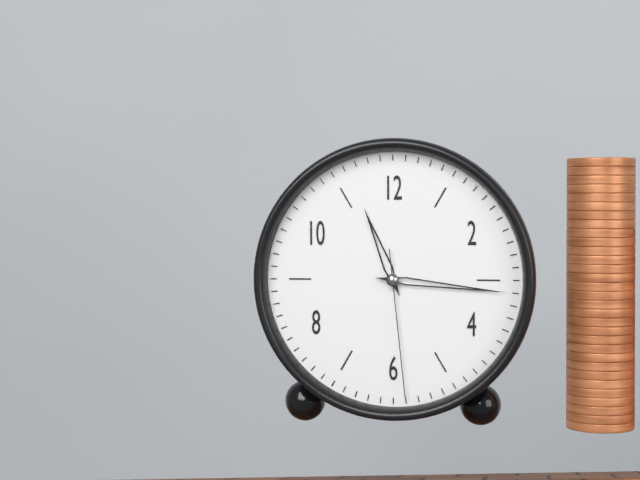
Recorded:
11 h 16 min 29 s
